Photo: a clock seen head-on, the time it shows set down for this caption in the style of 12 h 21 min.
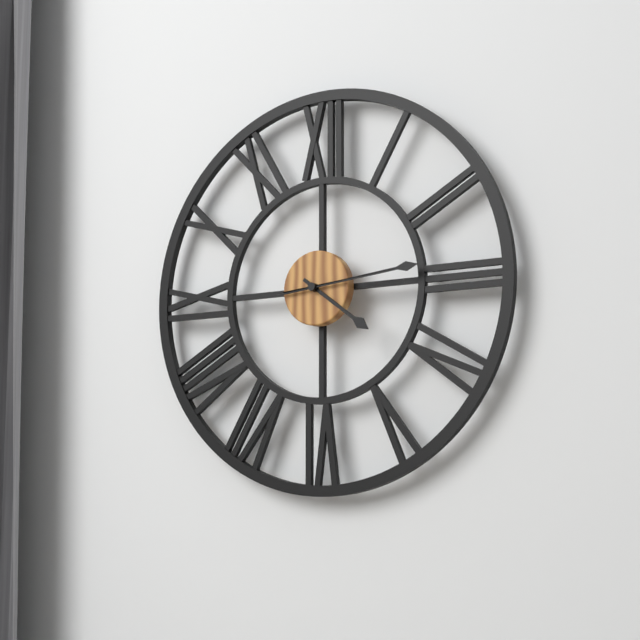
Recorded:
4 h 14 min
